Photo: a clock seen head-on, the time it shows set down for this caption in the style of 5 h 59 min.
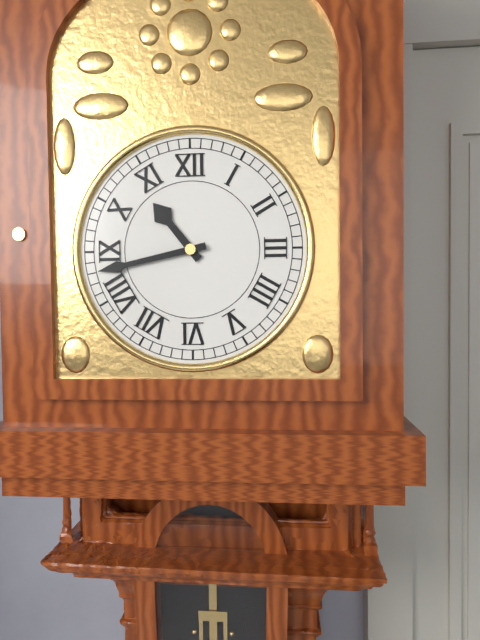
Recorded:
10 h 43 min
